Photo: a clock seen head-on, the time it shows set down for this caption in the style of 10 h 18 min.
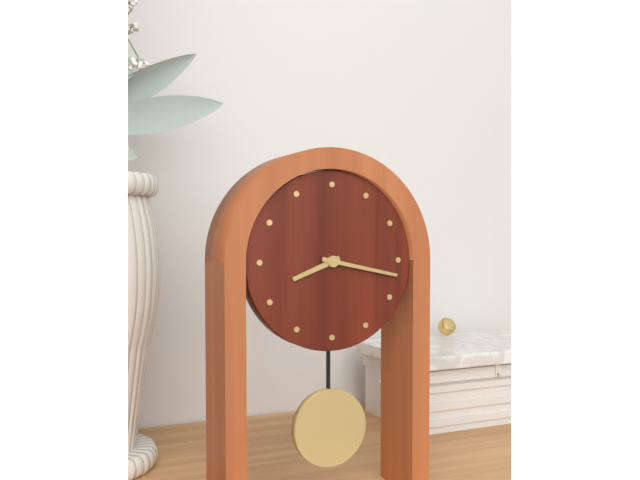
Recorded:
8 h 17 min
